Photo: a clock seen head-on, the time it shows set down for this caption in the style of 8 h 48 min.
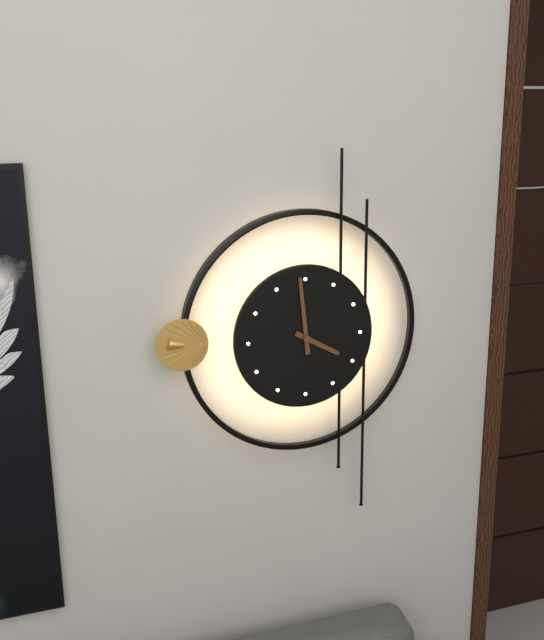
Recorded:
3 h 59 min
